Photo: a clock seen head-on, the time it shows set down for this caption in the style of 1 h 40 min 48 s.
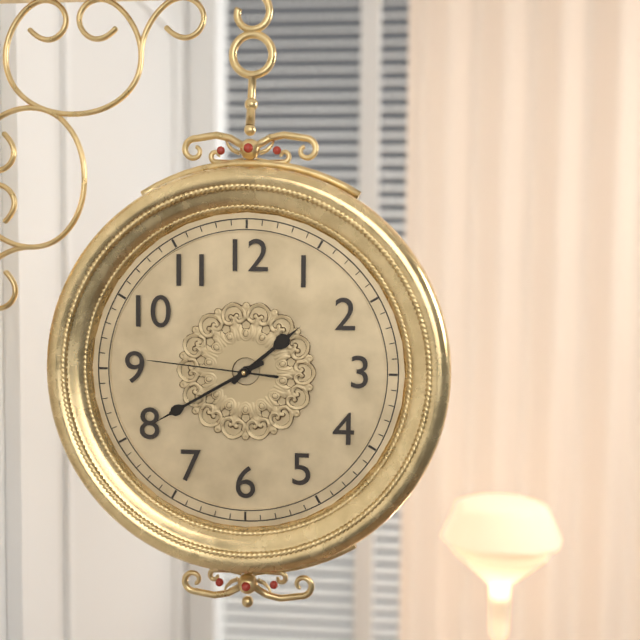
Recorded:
1 h 40 min 46 s
